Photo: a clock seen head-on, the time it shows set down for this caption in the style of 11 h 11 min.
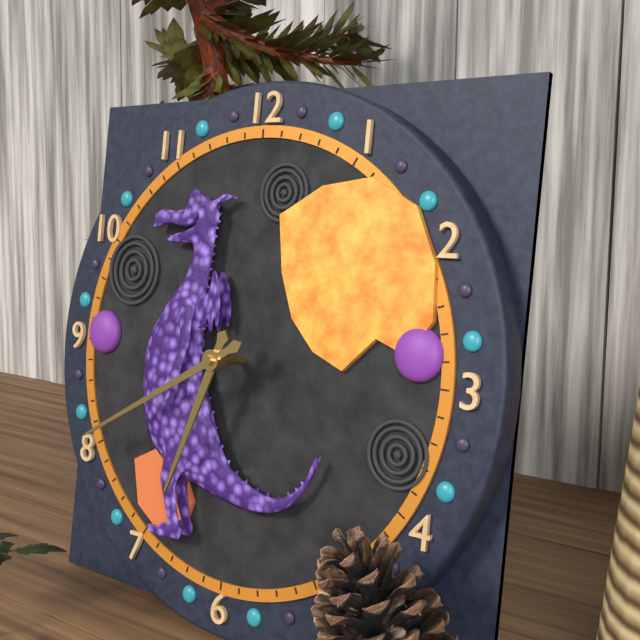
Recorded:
6 h 40 min
